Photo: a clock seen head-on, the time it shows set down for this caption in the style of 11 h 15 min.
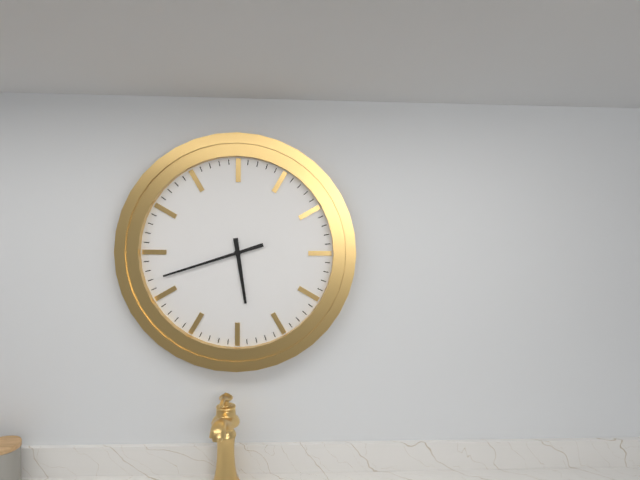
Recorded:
5 h 42 min
